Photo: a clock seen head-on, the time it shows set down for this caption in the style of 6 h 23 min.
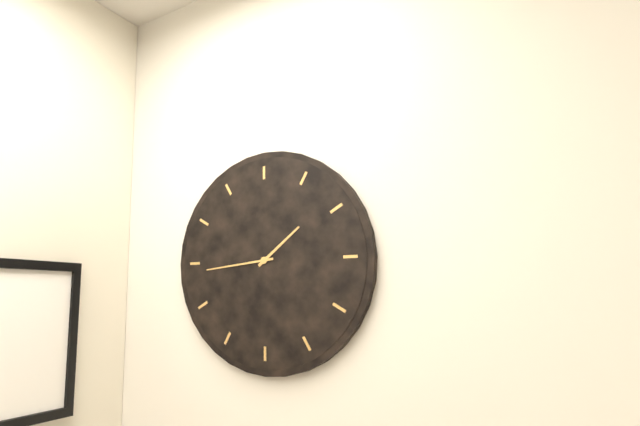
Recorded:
1 h 44 min
